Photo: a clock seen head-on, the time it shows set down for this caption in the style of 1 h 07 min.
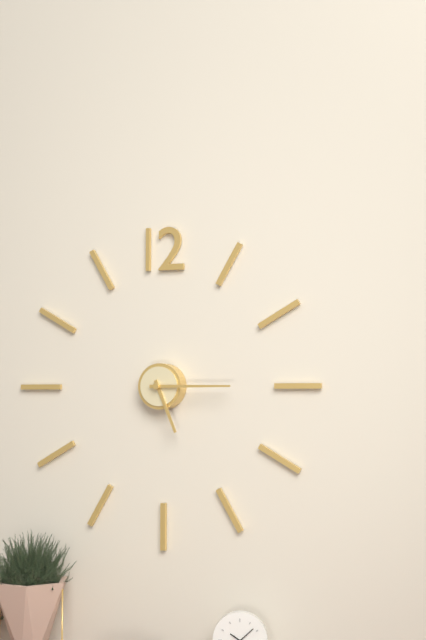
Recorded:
5 h 15 min
